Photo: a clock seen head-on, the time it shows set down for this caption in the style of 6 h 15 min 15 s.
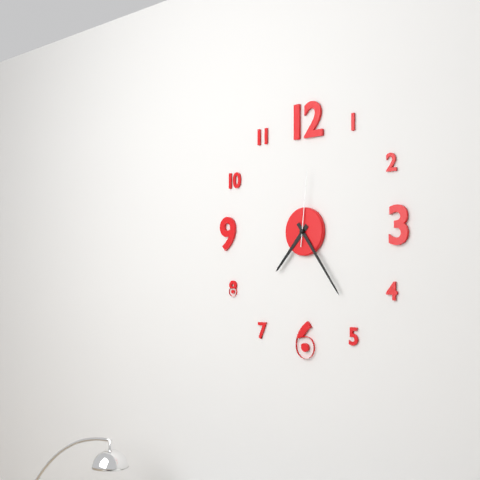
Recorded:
7 h 24 min 01 s
